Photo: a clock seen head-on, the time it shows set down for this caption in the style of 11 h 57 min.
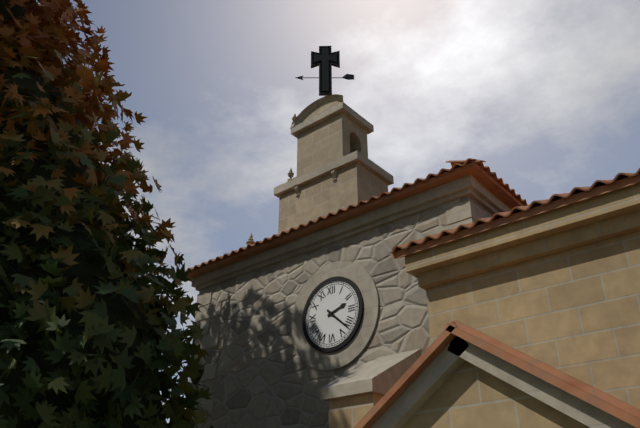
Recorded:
2 h 22 min
